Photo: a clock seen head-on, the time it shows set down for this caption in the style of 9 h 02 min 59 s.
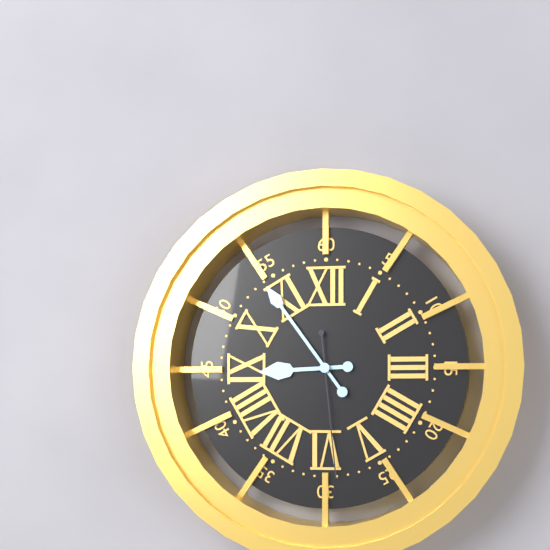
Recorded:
8 h 54 min 29 s
